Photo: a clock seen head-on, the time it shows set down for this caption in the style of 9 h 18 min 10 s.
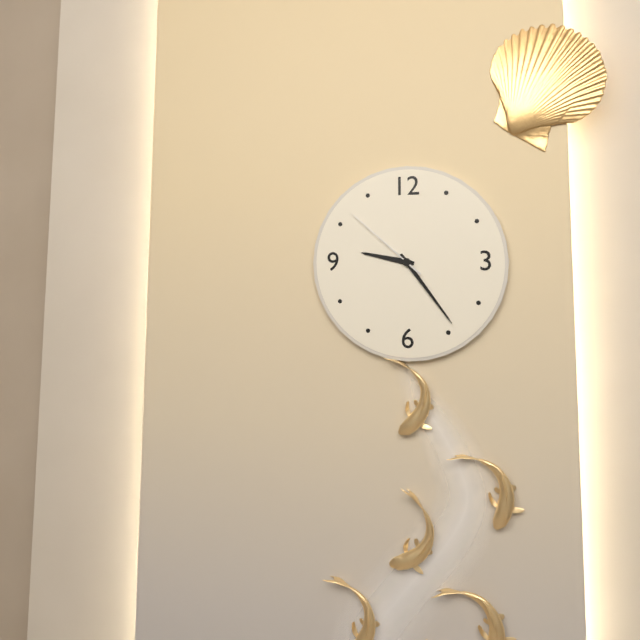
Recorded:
9 h 24 min 52 s
